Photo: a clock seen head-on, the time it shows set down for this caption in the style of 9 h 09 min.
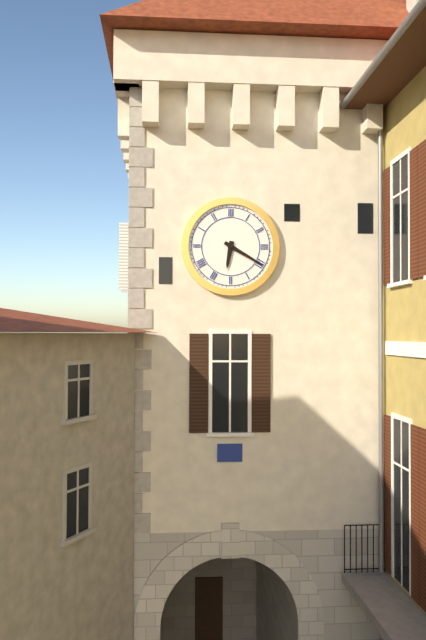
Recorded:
6 h 20 min
